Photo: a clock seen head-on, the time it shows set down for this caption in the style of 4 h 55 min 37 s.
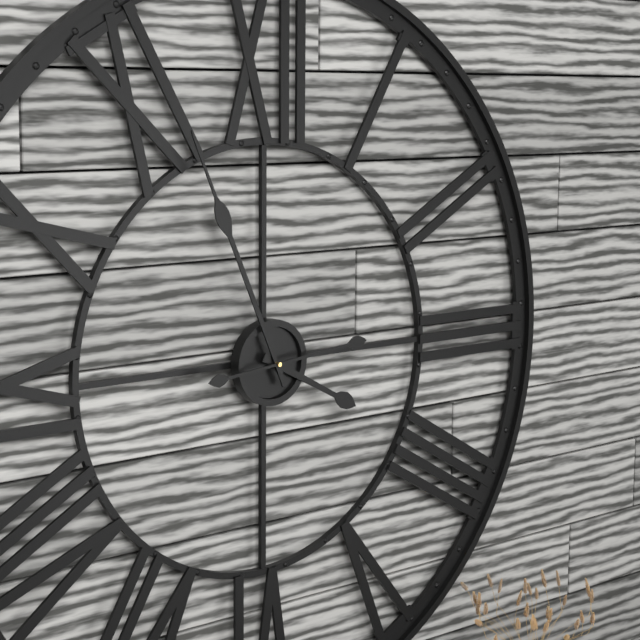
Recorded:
3 h 56 min 14 s
